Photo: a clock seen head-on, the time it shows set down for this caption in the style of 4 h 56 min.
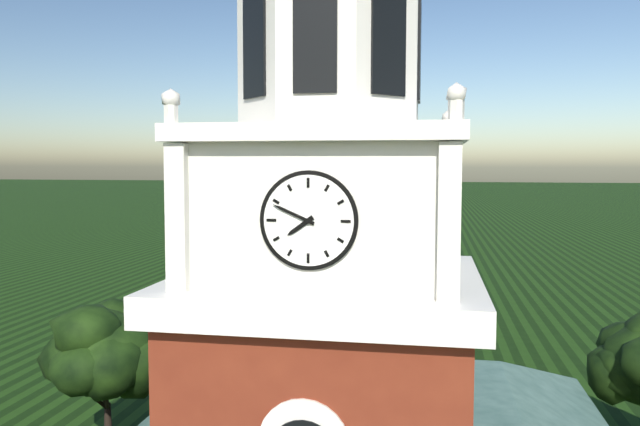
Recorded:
7 h 49 min
